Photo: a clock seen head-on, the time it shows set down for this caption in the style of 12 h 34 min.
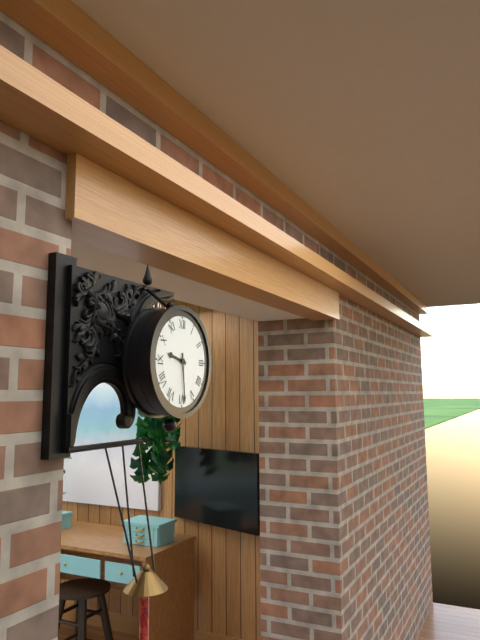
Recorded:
9 h 29 min
